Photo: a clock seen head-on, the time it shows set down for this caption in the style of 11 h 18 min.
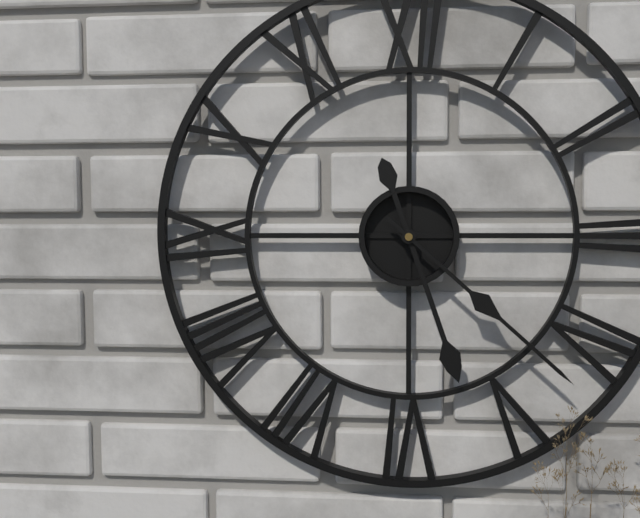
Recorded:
5 h 22 min
